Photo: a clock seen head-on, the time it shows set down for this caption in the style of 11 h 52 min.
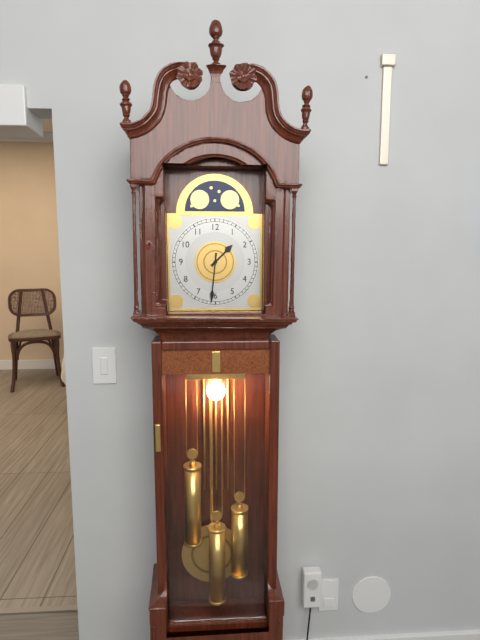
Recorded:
1 h 31 min
